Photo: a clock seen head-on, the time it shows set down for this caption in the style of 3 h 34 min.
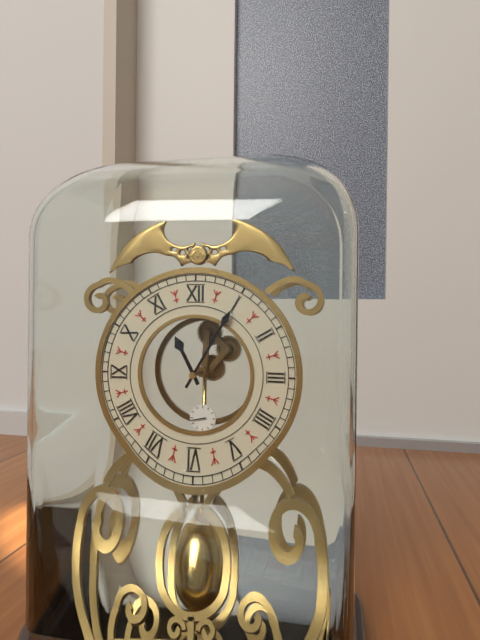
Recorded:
11 h 05 min
